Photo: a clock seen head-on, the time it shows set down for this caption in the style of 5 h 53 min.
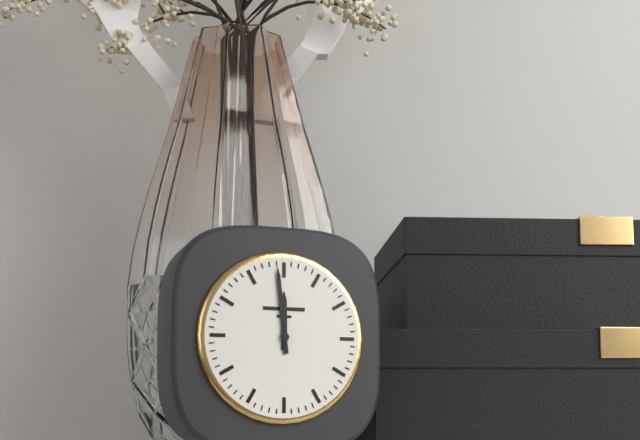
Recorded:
11 h 59 min
